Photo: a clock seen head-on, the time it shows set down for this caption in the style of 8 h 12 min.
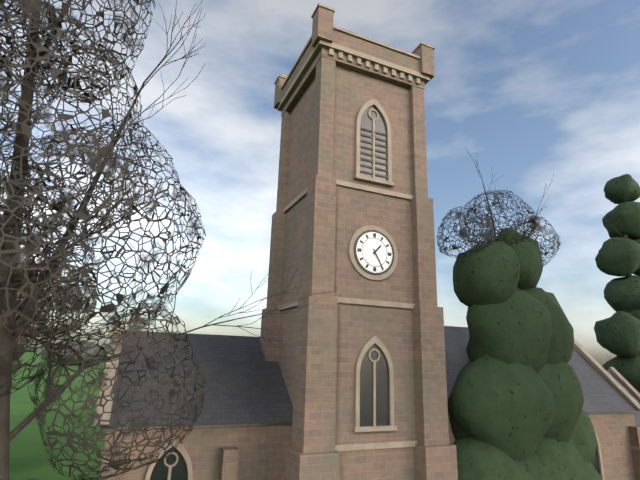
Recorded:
1 h 25 min
